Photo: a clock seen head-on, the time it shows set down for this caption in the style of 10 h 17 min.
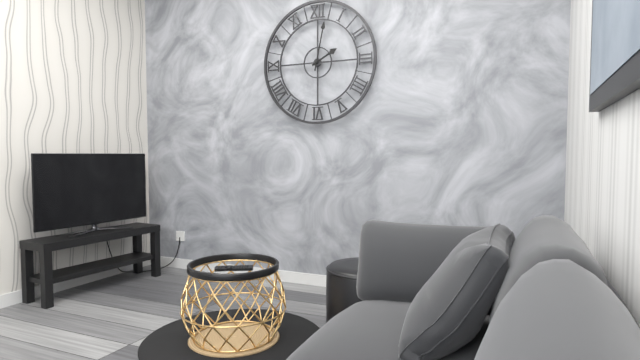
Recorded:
2 h 02 min
